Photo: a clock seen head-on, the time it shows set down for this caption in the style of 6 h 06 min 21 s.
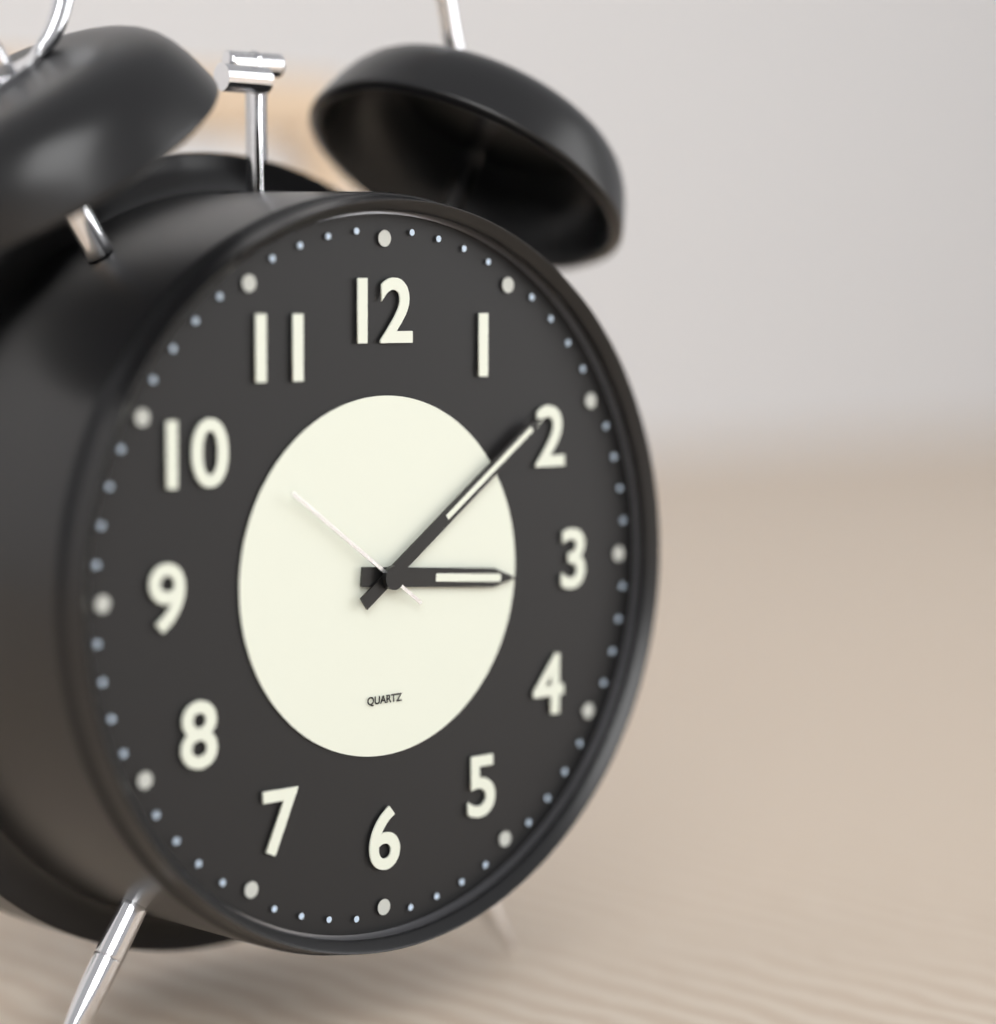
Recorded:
3 h 09 min 51 s
